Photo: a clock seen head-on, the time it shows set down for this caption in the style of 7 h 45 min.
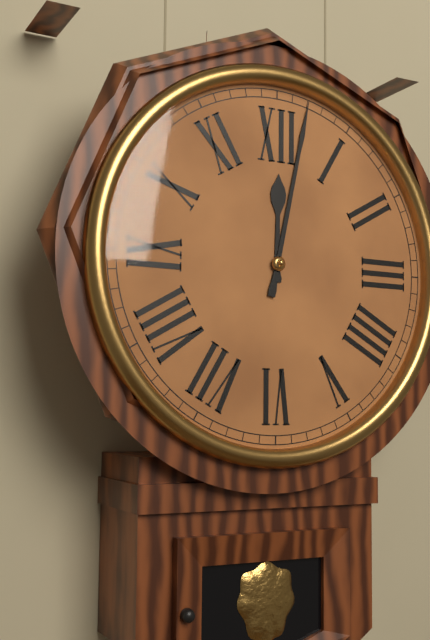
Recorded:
12 h 02 min
